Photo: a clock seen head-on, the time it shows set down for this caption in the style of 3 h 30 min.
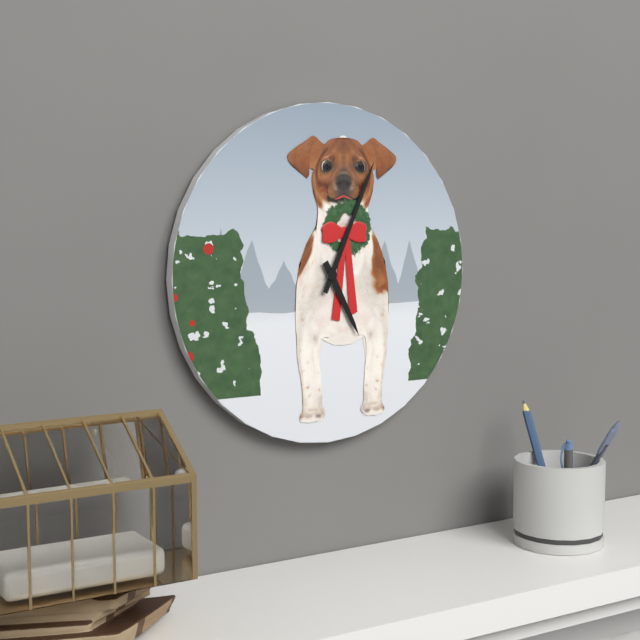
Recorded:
5 h 04 min
